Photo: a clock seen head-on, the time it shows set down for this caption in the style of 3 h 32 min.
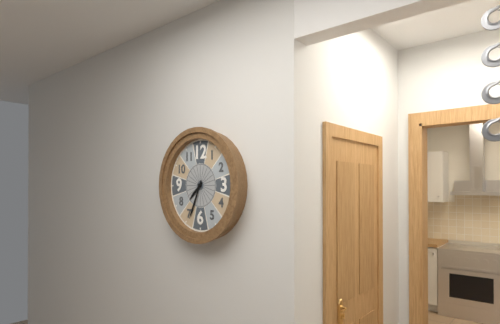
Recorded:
7 h 34 min
